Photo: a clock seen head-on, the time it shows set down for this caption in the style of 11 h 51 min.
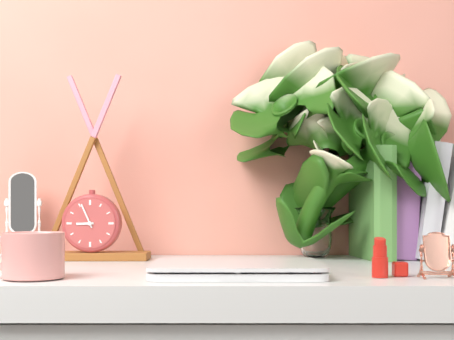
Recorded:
8 h 56 min
